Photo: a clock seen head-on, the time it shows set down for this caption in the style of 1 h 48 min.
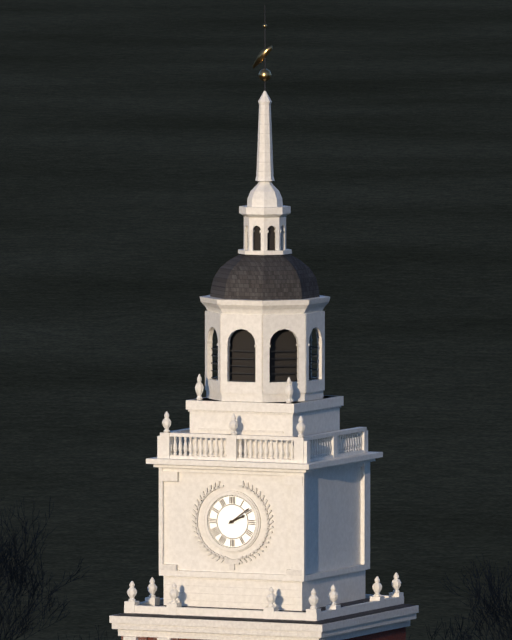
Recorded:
2 h 09 min
